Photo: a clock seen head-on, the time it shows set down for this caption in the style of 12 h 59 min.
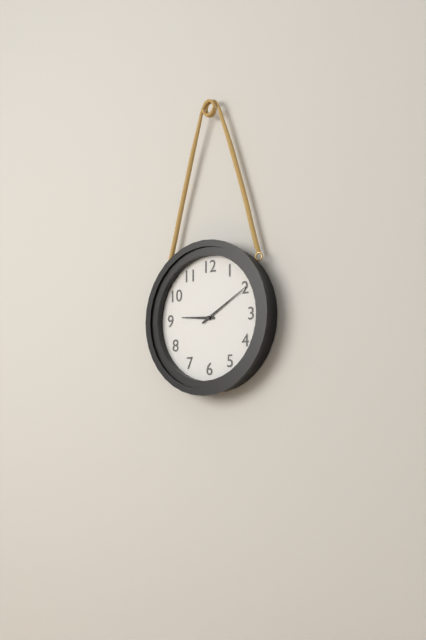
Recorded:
9 h 10 min
